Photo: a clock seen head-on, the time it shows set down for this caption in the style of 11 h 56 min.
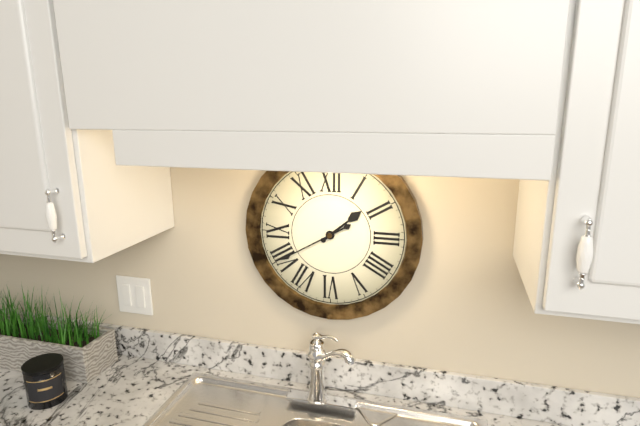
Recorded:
1 h 40 min
